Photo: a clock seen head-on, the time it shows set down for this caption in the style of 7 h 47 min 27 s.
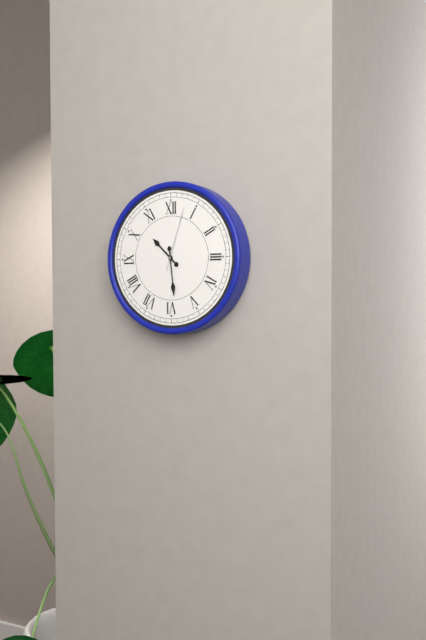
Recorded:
10 h 29 min 03 s
